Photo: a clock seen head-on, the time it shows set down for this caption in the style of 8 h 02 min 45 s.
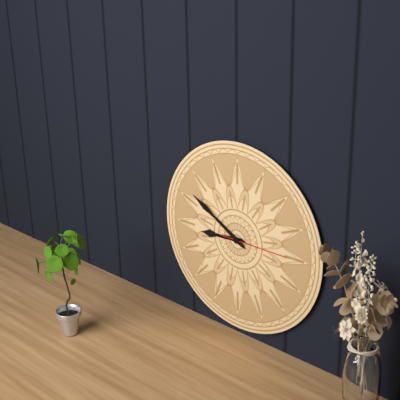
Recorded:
8 h 50 min 15 s
